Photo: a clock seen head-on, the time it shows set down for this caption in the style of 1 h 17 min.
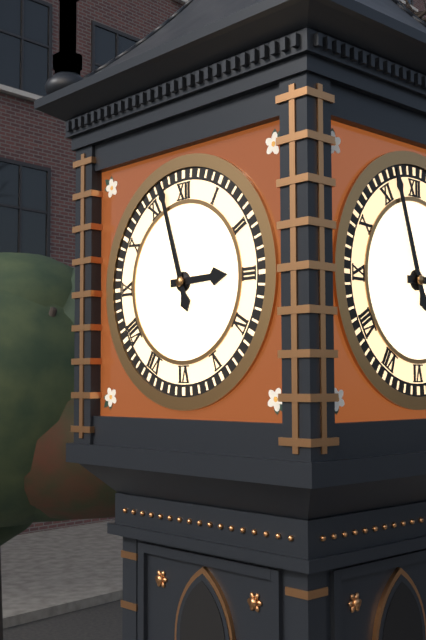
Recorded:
2 h 57 min
